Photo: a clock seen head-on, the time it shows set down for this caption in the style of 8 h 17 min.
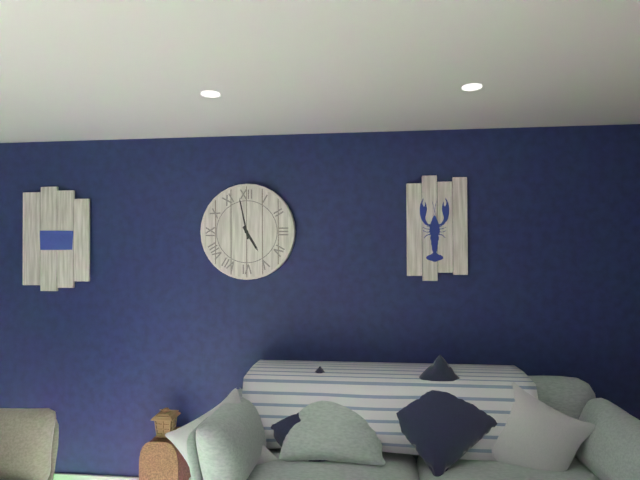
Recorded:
4 h 58 min
